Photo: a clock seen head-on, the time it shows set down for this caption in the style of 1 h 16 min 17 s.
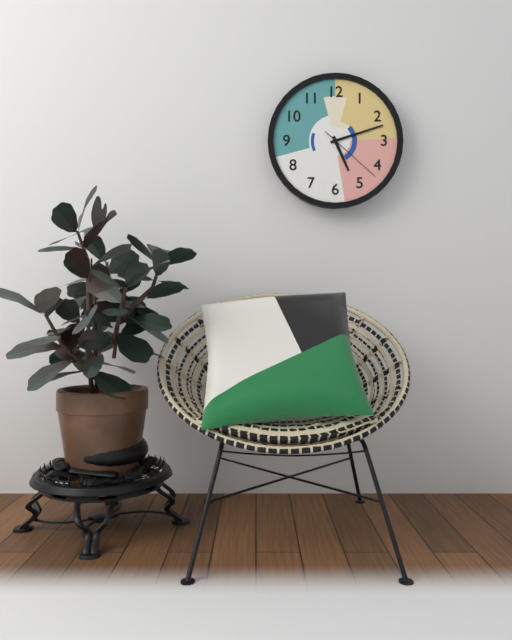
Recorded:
5 h 12 min 22 s
